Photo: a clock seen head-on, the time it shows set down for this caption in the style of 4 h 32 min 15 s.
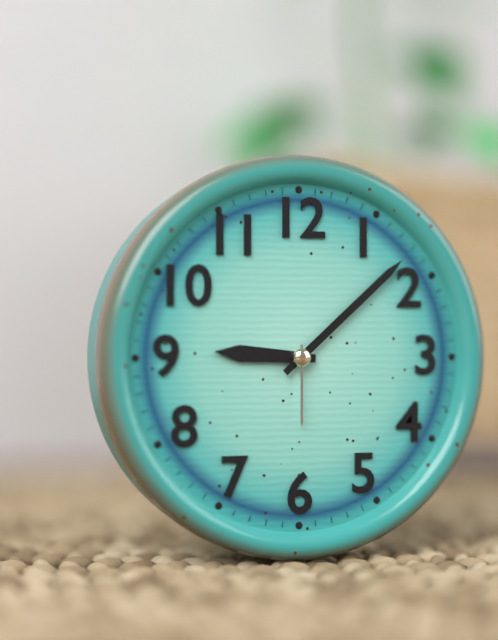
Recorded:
9 h 08 min 30 s
